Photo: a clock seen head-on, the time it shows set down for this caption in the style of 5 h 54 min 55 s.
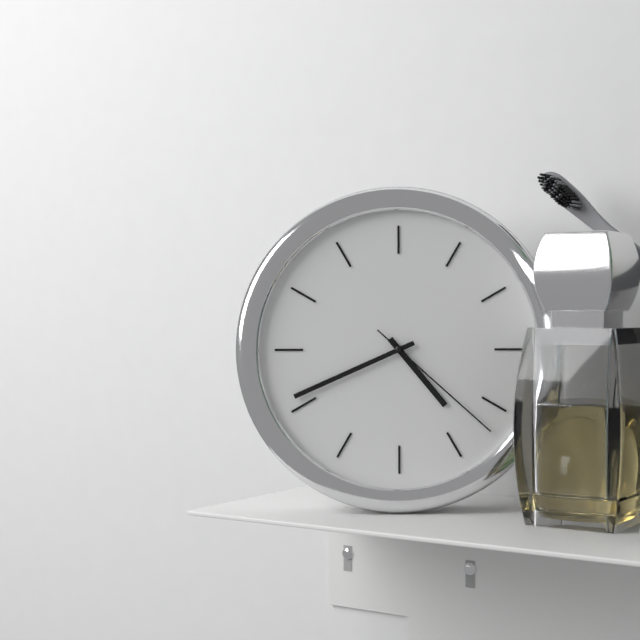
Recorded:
4 h 41 min 22 s
